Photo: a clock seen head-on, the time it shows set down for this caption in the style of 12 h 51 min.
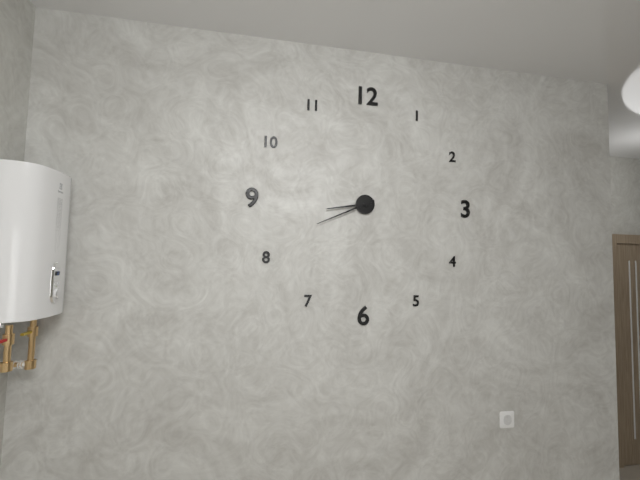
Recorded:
8 h 41 min
